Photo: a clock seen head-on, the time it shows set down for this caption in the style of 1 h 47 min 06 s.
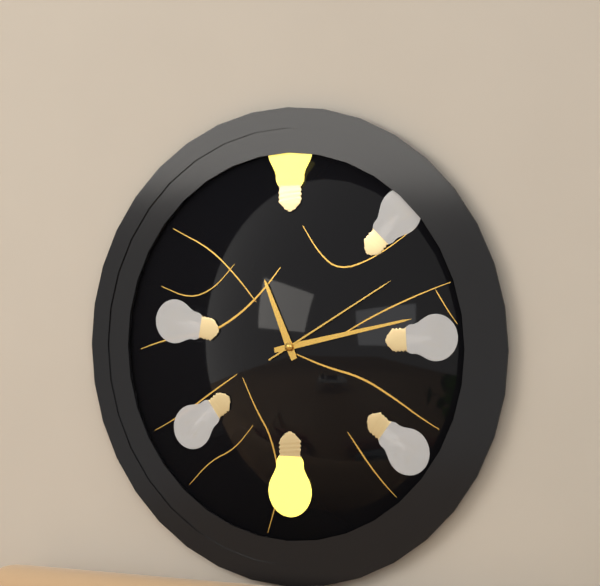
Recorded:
11 h 13 min 10 s
